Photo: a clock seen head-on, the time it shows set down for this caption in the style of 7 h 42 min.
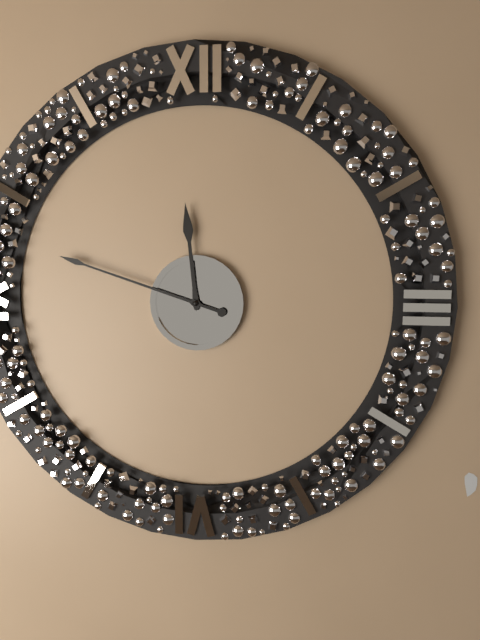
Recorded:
11 h 48 min
